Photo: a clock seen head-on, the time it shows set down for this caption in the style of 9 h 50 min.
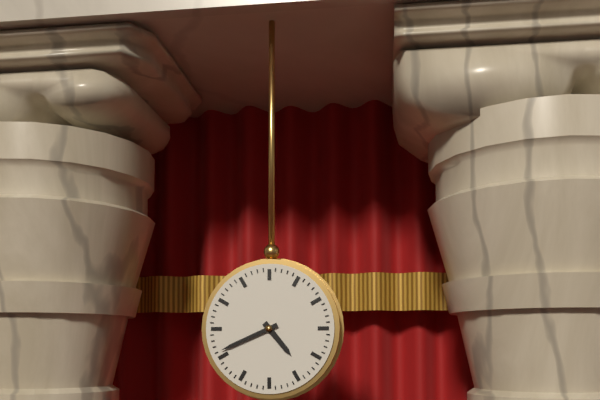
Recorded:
4 h 41 min
